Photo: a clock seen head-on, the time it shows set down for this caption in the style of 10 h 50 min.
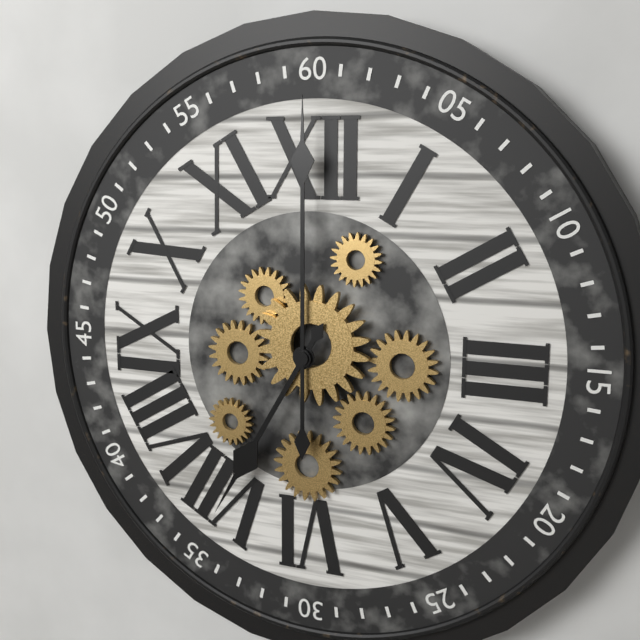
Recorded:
7 h 00 min
